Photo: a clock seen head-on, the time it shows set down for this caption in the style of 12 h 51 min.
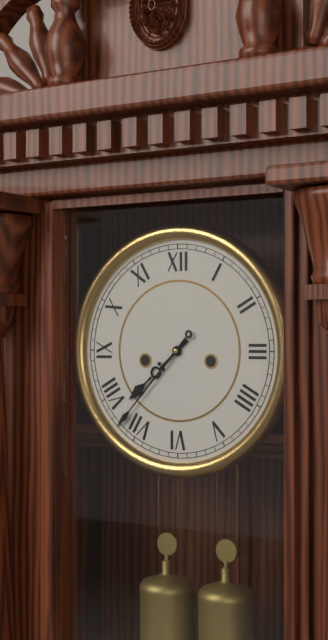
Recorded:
7 h 37 min
